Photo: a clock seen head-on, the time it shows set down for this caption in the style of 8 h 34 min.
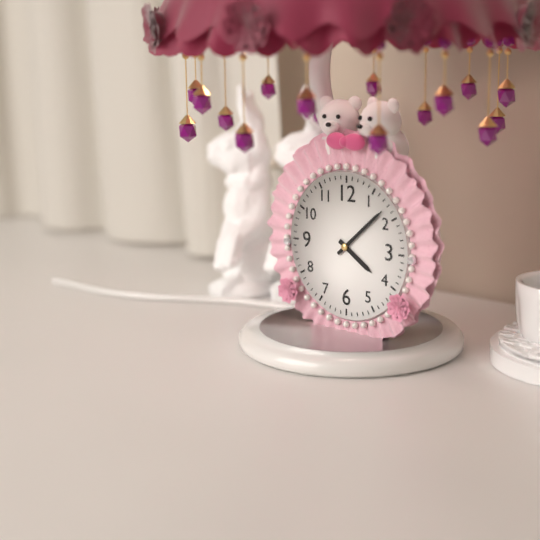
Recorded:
4 h 08 min
